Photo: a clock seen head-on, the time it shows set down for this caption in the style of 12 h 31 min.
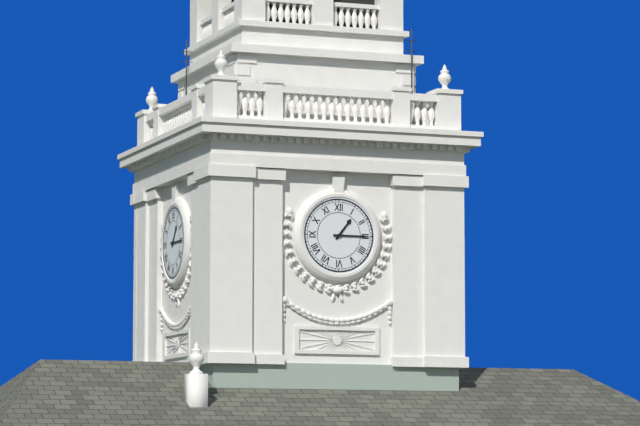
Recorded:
1 h 15 min
